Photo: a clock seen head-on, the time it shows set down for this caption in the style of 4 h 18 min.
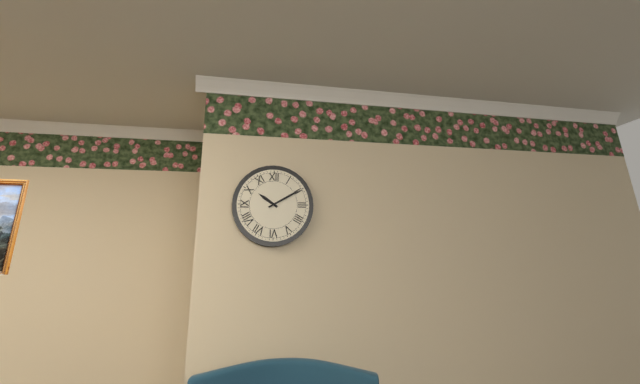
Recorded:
10 h 10 min
